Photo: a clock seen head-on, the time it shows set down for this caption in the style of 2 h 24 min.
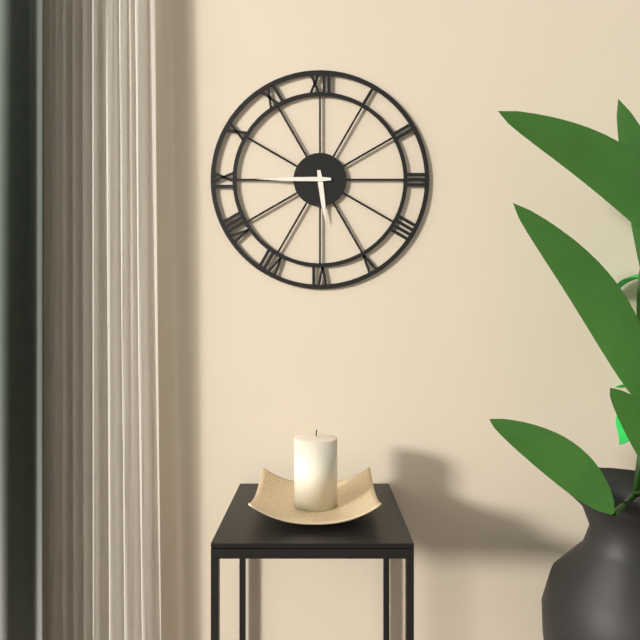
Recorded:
5 h 45 min
